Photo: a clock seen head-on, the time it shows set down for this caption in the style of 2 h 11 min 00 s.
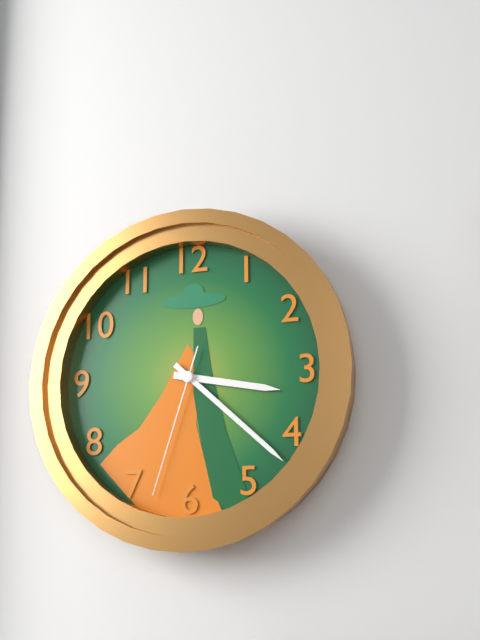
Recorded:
3 h 22 min 33 s
